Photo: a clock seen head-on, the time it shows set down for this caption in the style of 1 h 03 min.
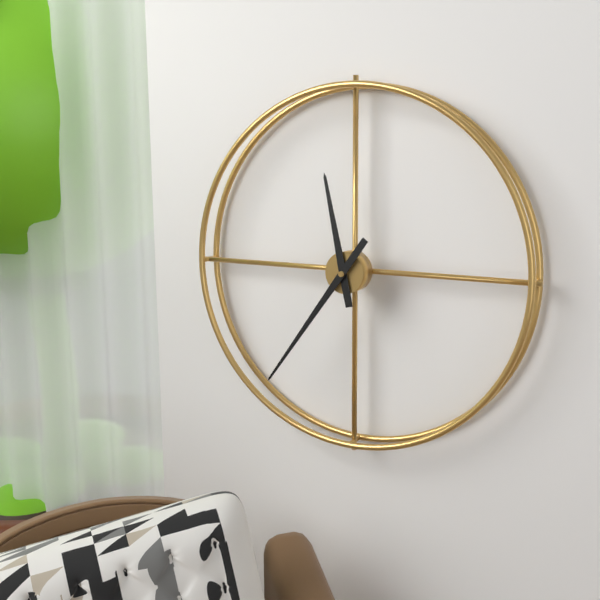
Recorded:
11 h 36 min
